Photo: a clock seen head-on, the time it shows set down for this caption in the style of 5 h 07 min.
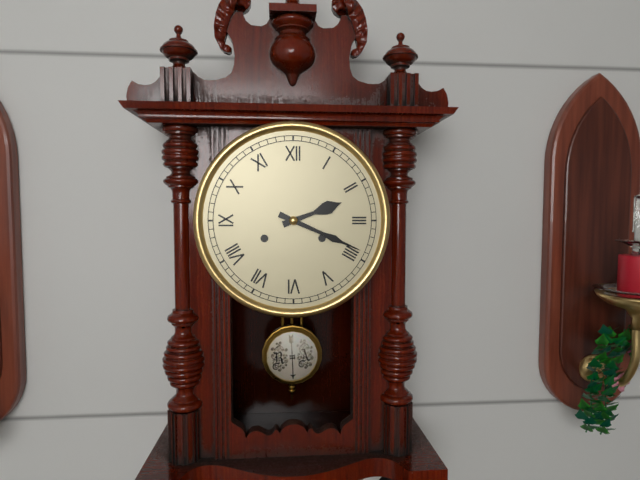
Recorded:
2 h 19 min
